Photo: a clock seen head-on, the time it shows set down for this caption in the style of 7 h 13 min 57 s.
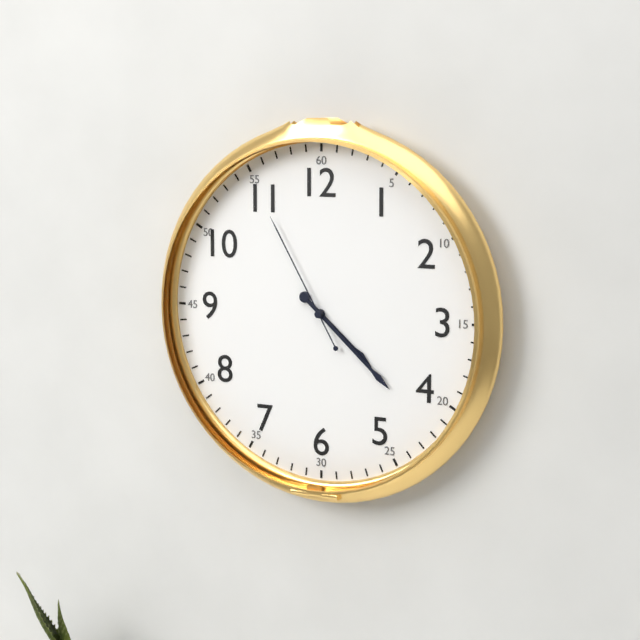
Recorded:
4 h 22 min 55 s
